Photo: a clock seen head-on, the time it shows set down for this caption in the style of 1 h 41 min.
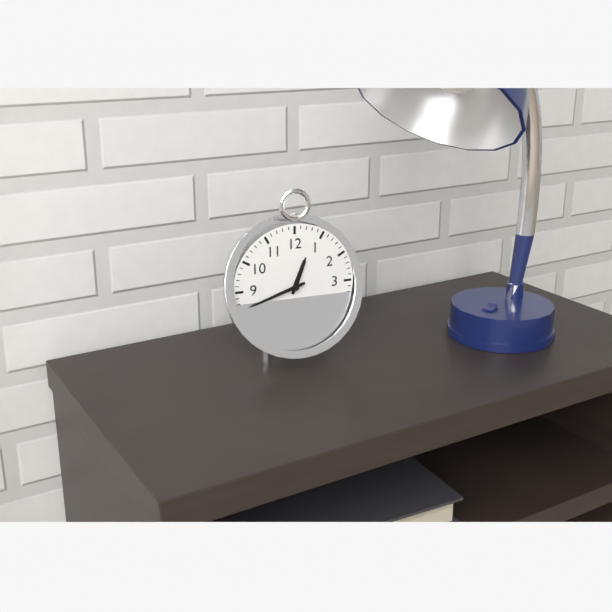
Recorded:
12 h 42 min
